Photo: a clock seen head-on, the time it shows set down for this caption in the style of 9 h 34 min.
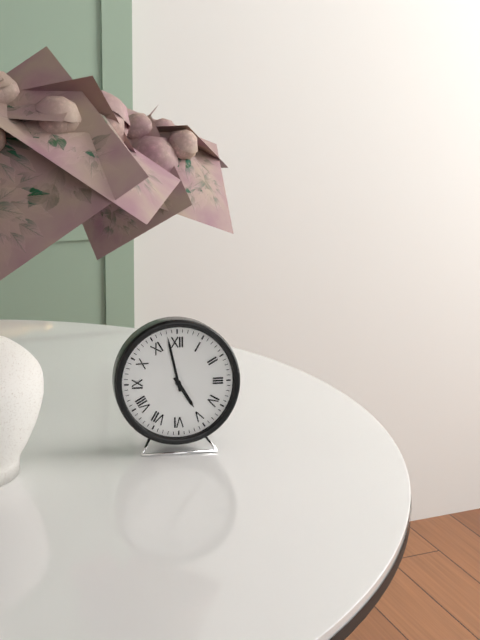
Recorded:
4 h 58 min
